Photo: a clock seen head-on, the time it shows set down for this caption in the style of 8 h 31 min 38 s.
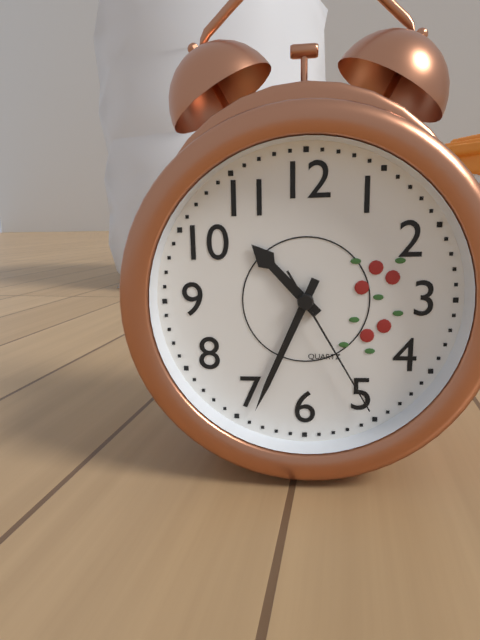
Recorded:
10 h 34 min 25 s
